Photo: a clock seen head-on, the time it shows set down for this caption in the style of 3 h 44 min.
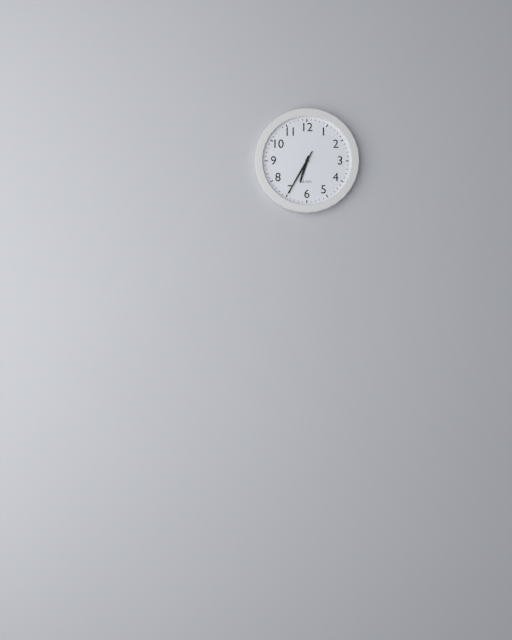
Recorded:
6 h 35 min
